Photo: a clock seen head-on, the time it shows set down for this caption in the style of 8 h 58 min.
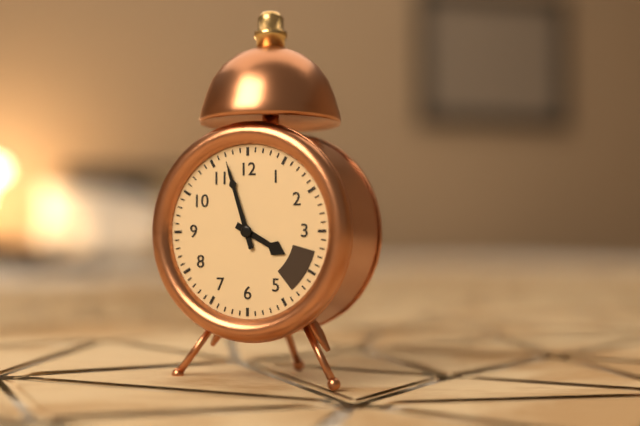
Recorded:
3 h 57 min
